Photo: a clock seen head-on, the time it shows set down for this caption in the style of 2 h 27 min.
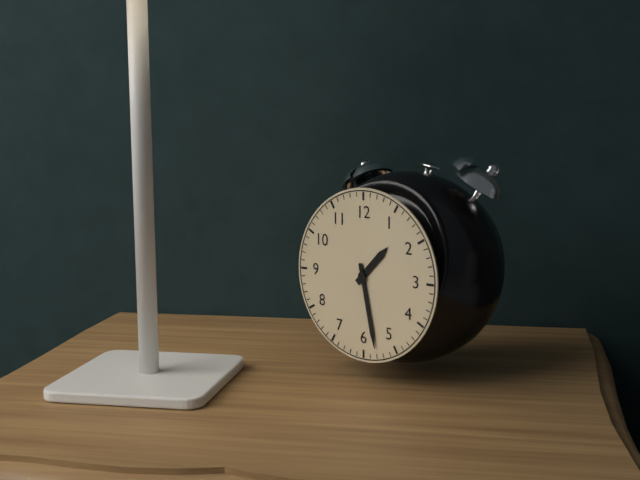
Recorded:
1 h 28 min
